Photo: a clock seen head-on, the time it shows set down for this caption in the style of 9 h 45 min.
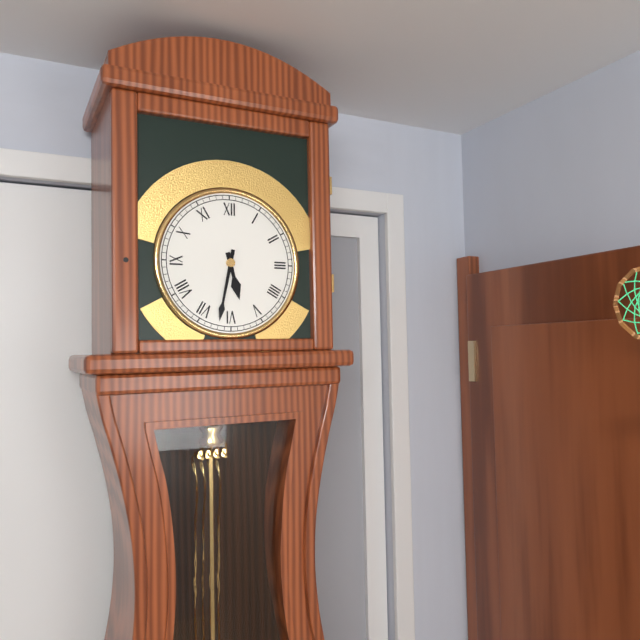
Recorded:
5 h 32 min
